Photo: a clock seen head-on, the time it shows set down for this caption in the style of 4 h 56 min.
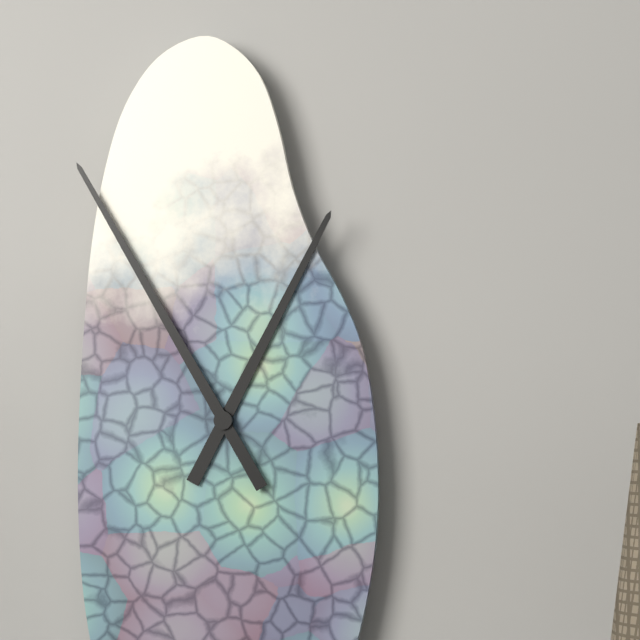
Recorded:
12 h 55 min
